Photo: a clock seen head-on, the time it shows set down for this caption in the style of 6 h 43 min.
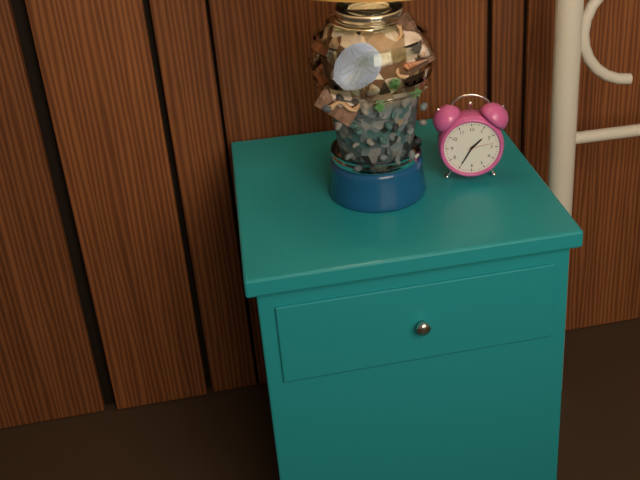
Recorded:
1 h 35 min
